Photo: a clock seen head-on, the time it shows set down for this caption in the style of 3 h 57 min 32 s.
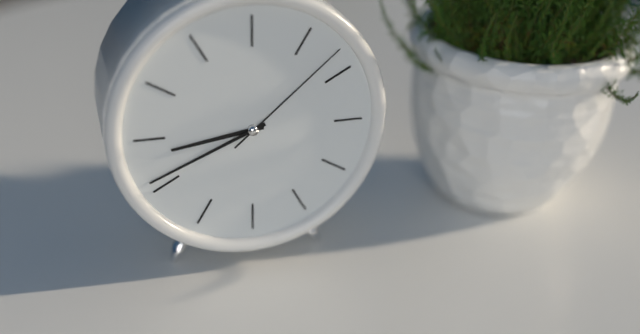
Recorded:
8 h 41 min 08 s
